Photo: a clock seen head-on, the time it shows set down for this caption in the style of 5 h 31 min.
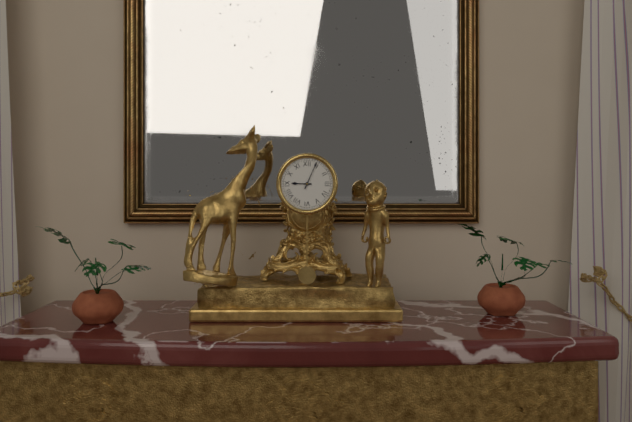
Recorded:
9 h 04 min
